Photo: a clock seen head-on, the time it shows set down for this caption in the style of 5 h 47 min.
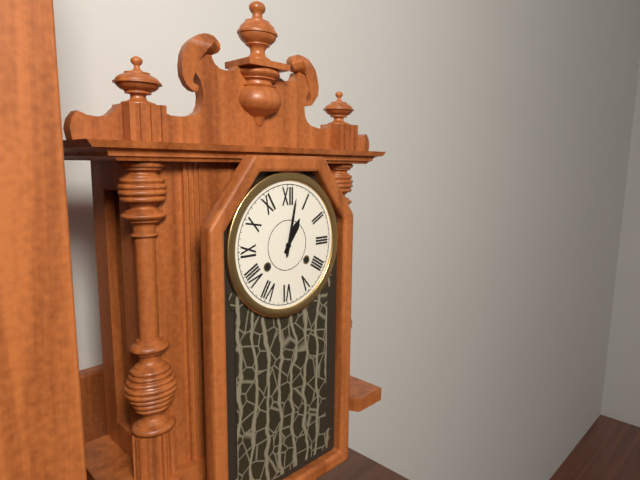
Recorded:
1 h 02 min
